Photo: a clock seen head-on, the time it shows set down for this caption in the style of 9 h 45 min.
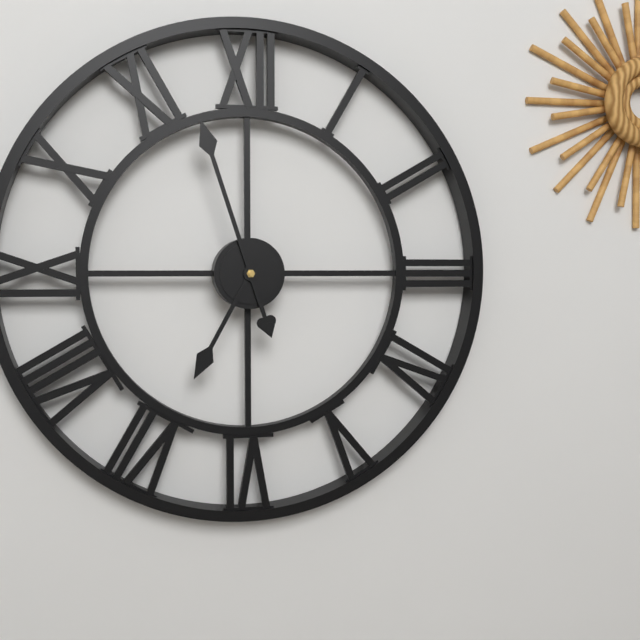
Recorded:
6 h 57 min
